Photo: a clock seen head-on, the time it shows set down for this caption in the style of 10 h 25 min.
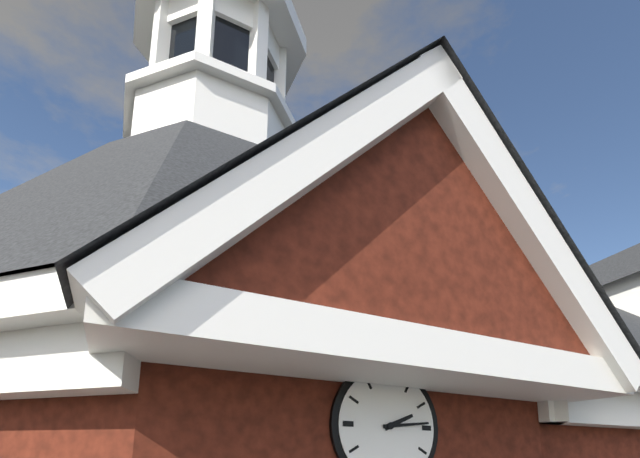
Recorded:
2 h 14 min
